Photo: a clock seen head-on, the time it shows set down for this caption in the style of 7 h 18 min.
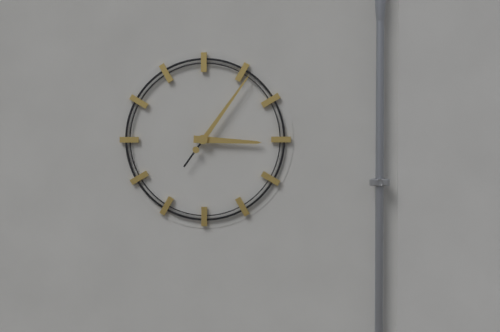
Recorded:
3 h 06 min
